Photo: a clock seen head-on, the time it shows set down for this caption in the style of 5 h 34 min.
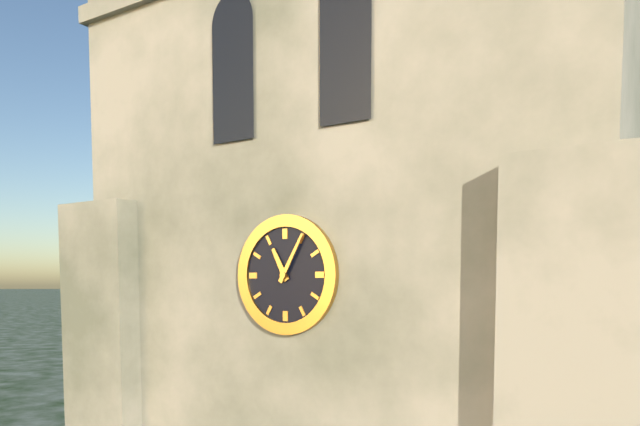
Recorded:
11 h 05 min
